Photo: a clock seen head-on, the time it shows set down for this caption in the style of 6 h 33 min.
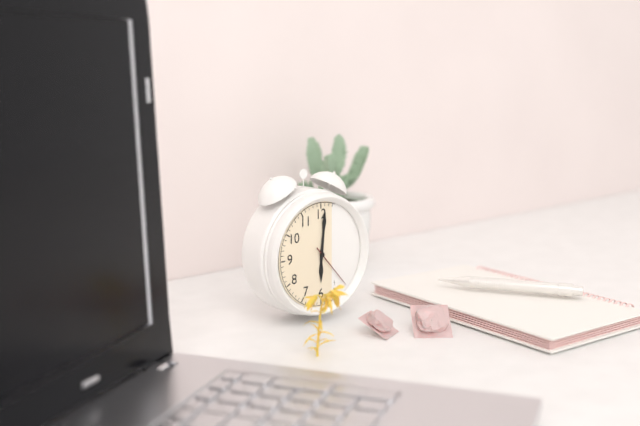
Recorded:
6 h 01 min
